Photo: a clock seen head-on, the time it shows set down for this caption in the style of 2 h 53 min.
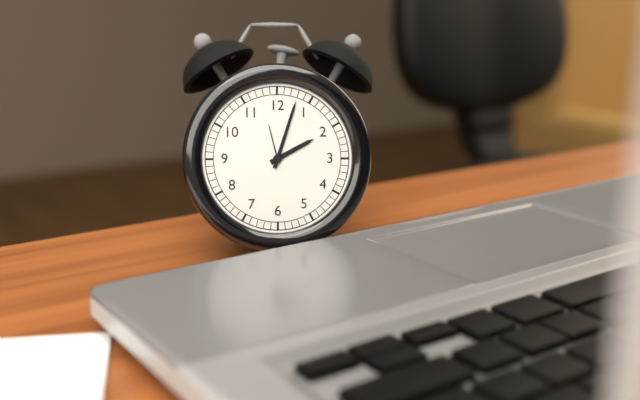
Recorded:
2 h 03 min
